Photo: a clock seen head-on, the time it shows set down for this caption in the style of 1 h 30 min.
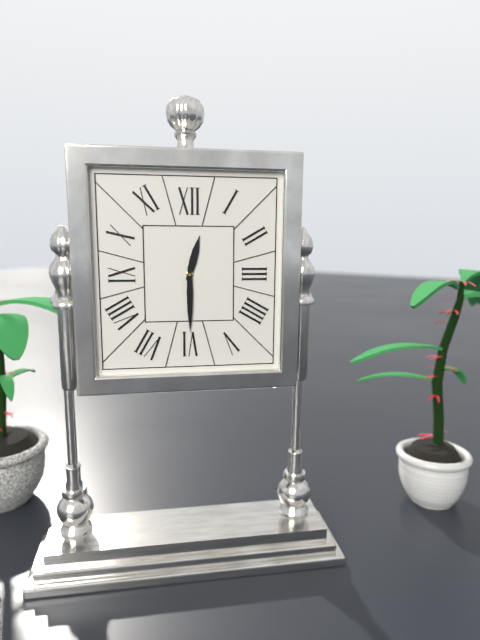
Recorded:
12 h 30 min
